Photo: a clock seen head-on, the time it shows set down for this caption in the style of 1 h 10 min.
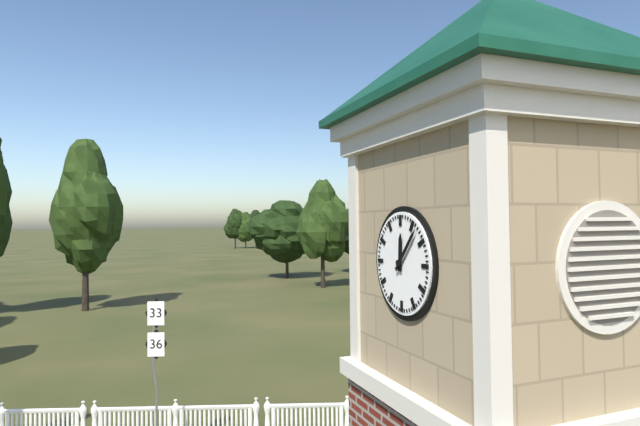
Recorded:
12 h 07 min
